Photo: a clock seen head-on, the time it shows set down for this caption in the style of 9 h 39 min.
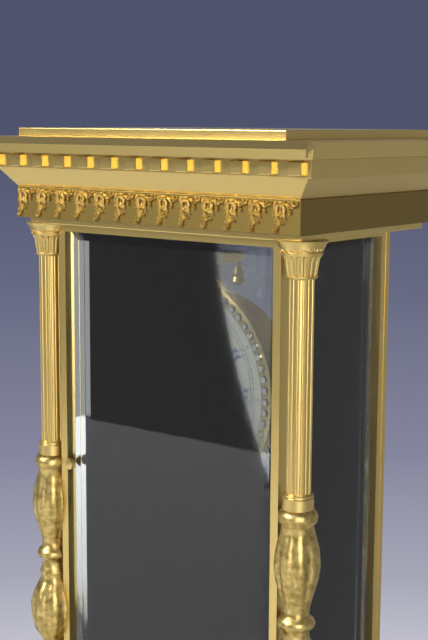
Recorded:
2 h 45 min
